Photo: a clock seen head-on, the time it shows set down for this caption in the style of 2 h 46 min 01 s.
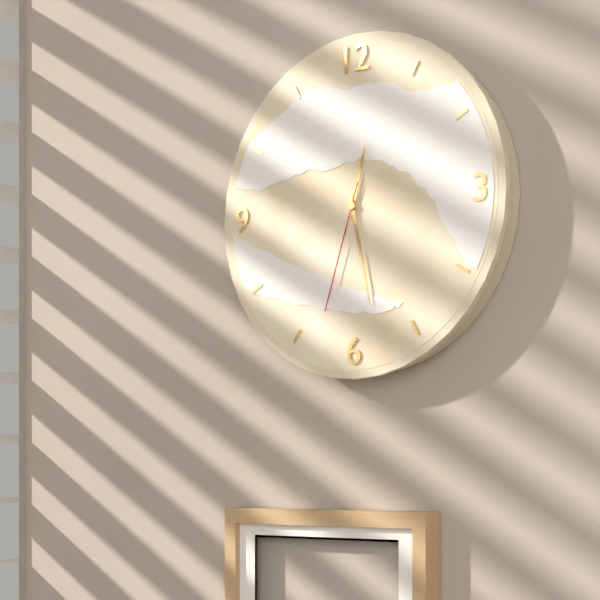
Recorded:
12 h 28 min 33 s
